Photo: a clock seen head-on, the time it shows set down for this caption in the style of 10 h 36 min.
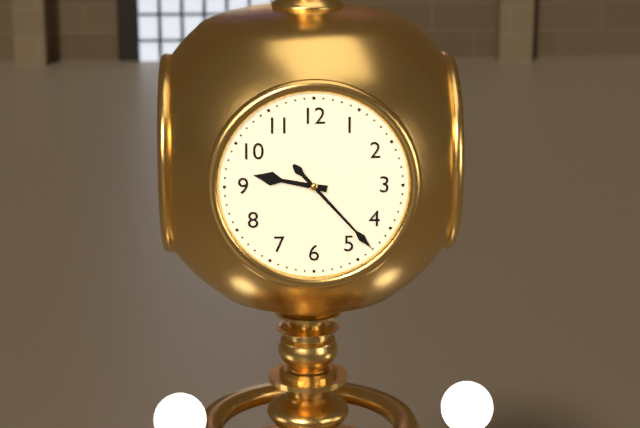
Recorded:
9 h 23 min
